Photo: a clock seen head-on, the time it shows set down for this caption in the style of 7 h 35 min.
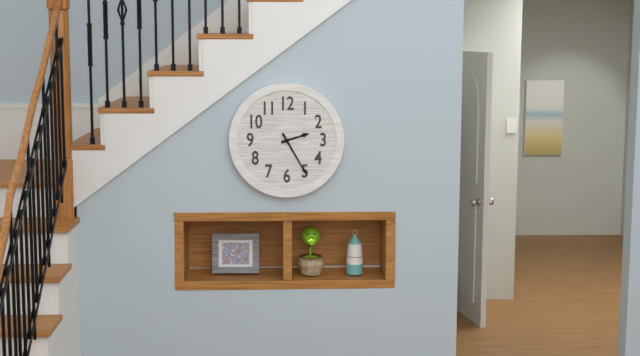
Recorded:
2 h 25 min
